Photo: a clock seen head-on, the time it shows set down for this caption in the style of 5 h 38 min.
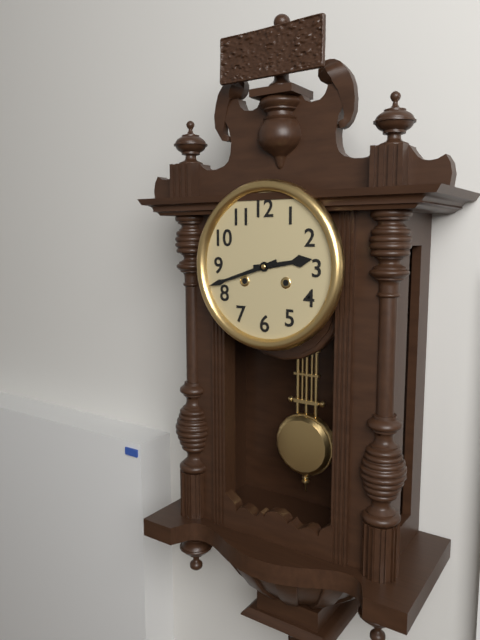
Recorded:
2 h 42 min
